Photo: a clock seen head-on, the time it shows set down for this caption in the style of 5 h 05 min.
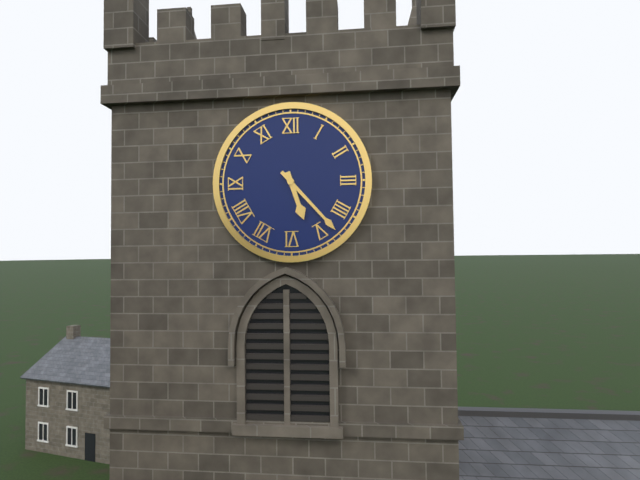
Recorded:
5 h 23 min
